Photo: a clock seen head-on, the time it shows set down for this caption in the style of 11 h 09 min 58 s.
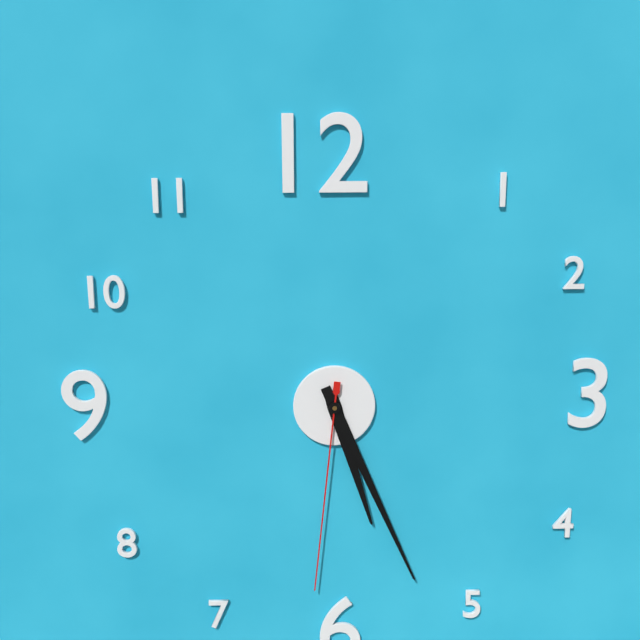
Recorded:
5 h 26 min 31 s
